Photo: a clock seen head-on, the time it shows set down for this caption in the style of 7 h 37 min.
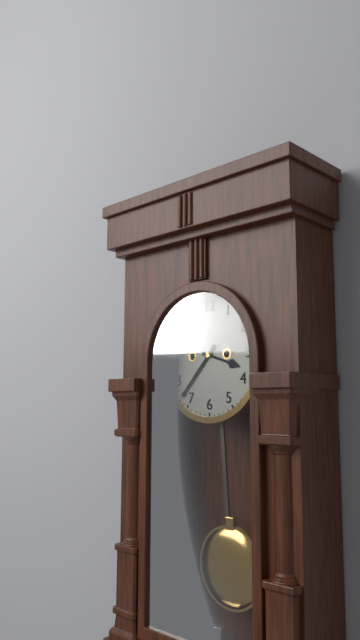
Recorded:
3 h 37 min
